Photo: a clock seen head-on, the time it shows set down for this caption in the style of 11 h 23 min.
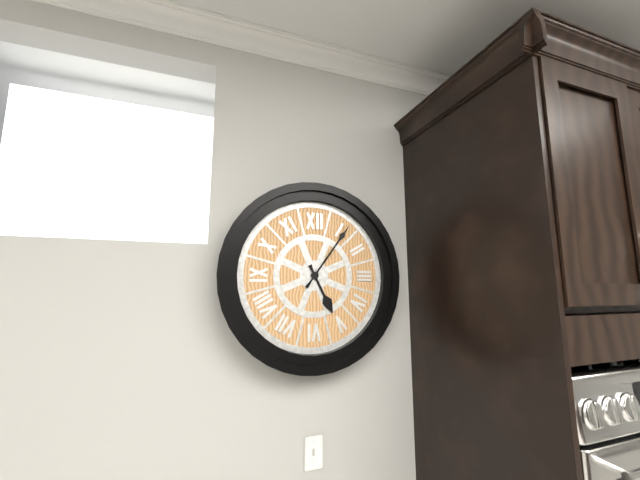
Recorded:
5 h 06 min
